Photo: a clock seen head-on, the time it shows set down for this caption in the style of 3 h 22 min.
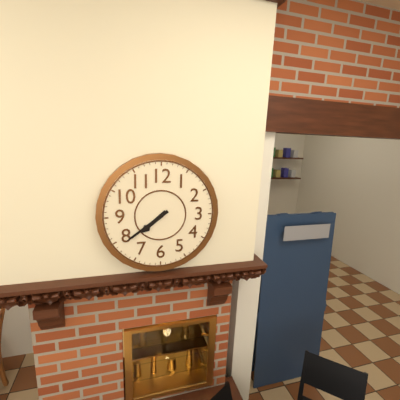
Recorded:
7 h 39 min
